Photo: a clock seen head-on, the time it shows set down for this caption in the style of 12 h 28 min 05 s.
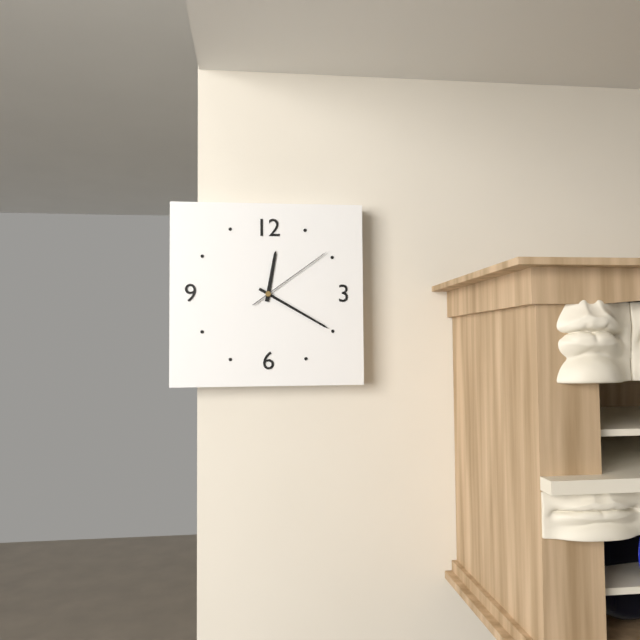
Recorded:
12 h 20 min 09 s
